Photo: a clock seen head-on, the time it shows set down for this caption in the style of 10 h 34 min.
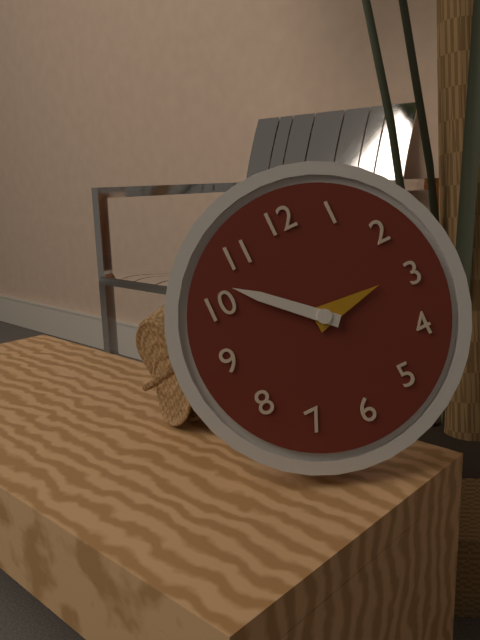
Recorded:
2 h 52 min
